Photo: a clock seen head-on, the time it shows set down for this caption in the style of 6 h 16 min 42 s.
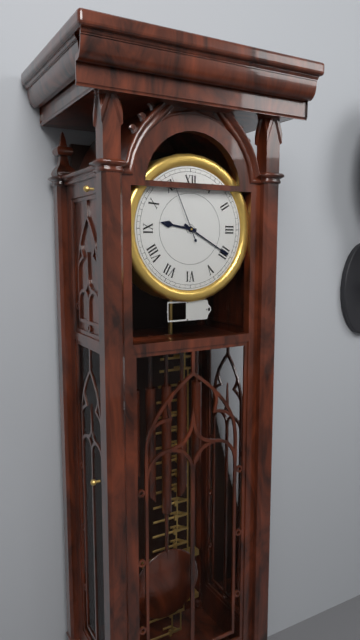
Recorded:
9 h 20 min 56 s
